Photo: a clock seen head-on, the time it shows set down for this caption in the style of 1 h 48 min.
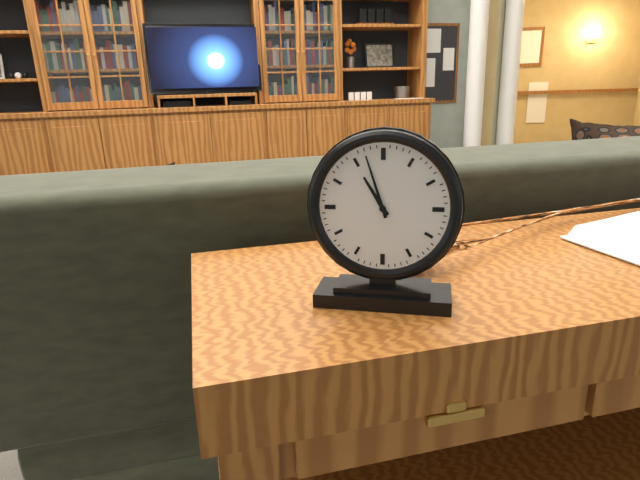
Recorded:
10 h 57 min
